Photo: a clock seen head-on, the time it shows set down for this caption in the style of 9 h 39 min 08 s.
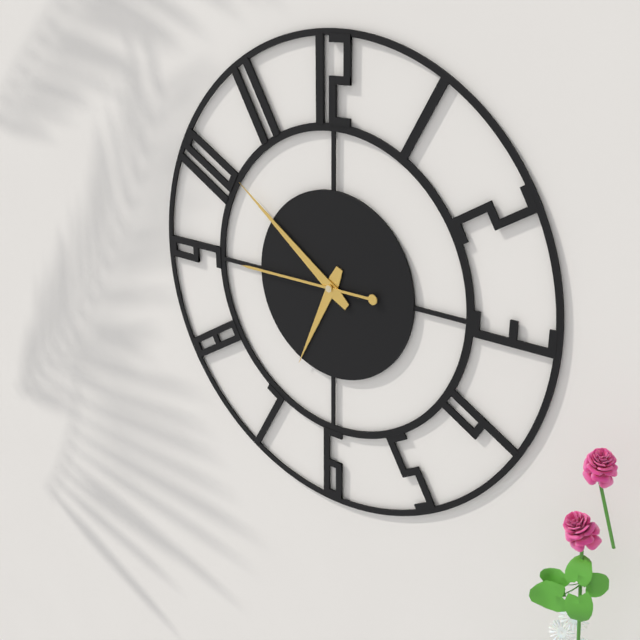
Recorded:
6 h 51 min 45 s
